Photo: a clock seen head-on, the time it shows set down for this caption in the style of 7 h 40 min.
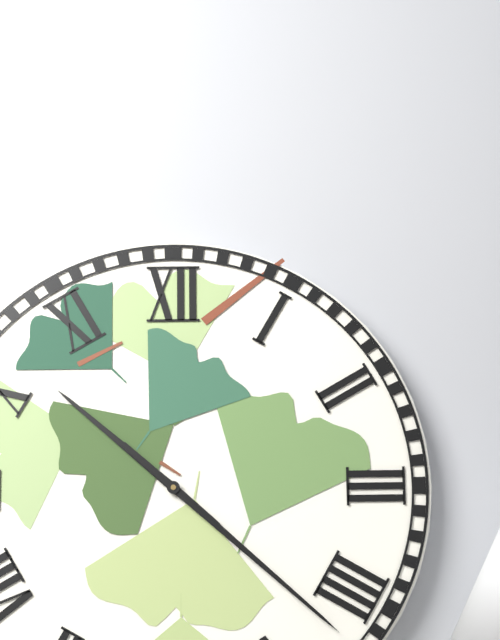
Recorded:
10 h 22 min
